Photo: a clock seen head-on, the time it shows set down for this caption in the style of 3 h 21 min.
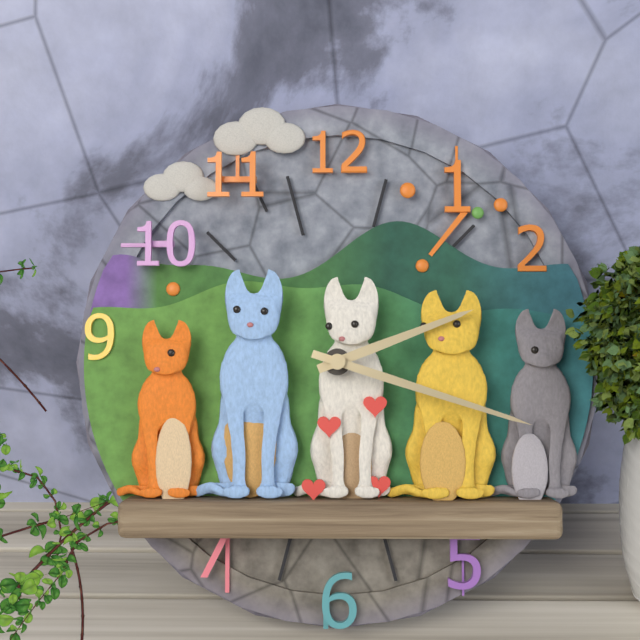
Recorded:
2 h 18 min
